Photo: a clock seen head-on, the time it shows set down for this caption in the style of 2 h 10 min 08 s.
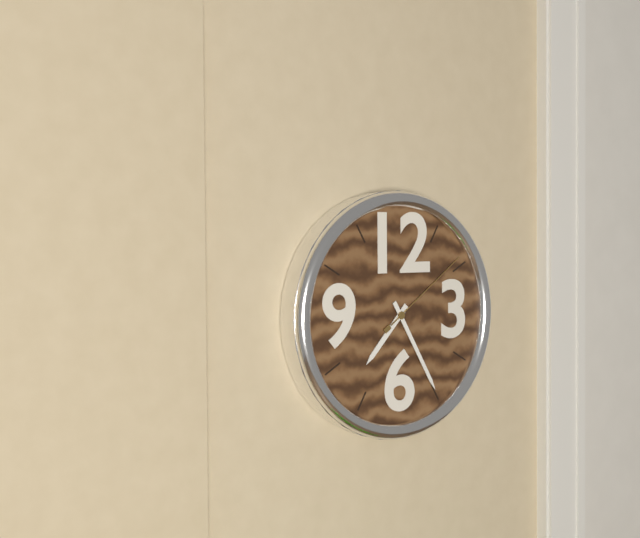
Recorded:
7 h 25 min 09 s
